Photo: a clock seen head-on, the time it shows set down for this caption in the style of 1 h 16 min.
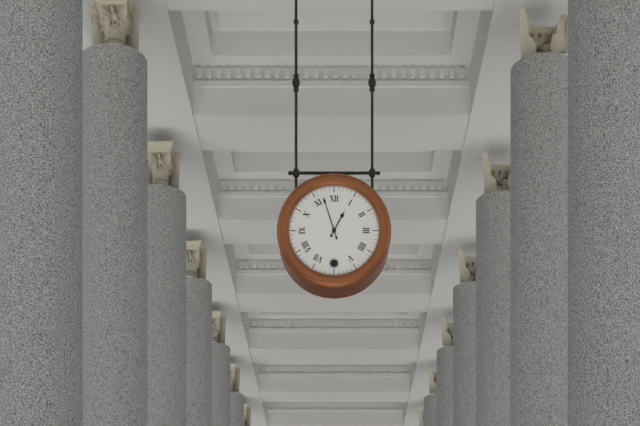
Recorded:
12 h 57 min
